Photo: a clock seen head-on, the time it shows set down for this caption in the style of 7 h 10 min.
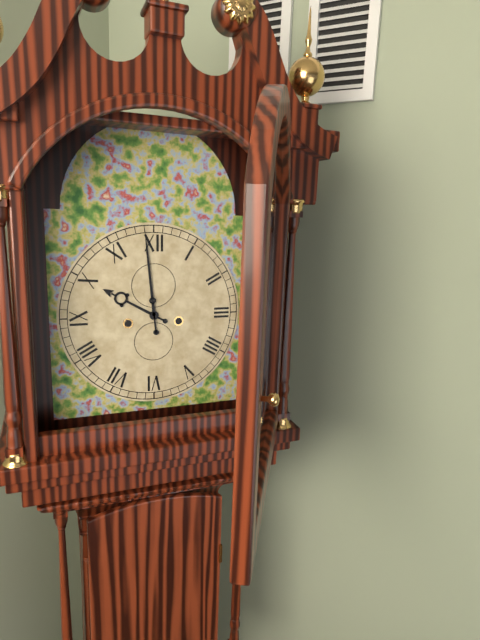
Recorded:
9 h 59 min
